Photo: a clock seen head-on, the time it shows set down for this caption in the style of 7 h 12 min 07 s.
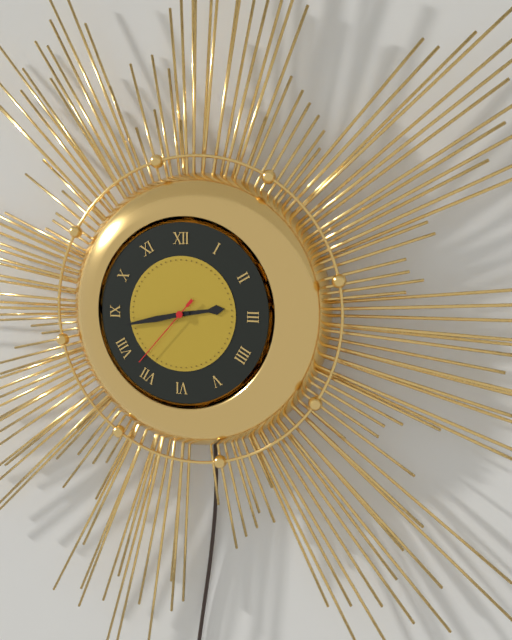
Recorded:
2 h 43 min 37 s
